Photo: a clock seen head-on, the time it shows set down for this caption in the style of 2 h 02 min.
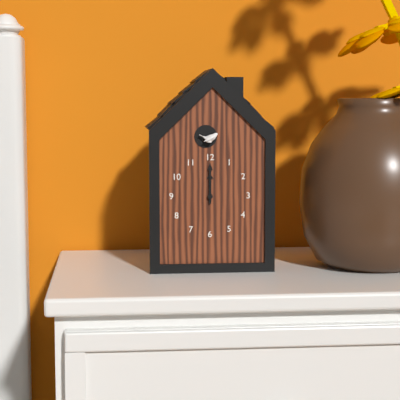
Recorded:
12 h 00 min
